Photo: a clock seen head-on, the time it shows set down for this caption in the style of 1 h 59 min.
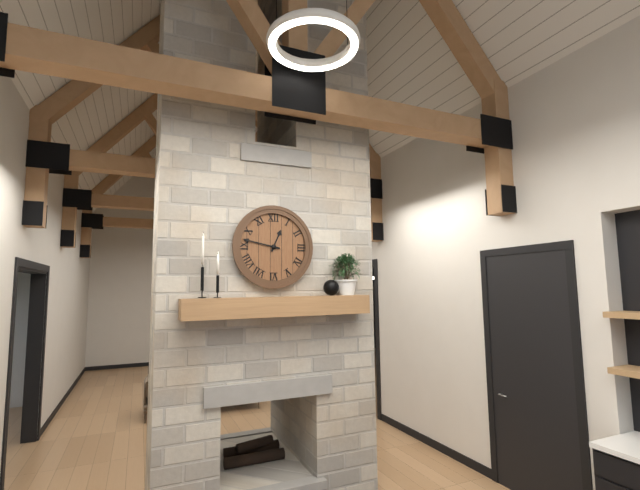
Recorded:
12 h 47 min
